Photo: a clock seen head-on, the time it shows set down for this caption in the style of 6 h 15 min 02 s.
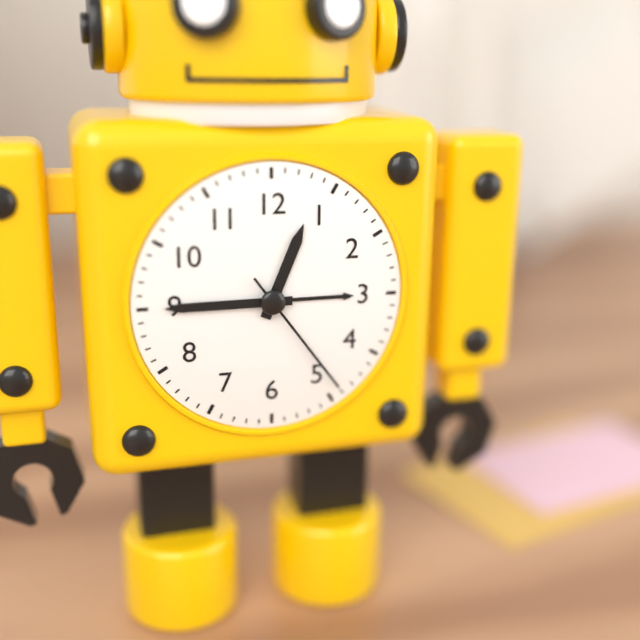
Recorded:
12 h 45 min 24 s
